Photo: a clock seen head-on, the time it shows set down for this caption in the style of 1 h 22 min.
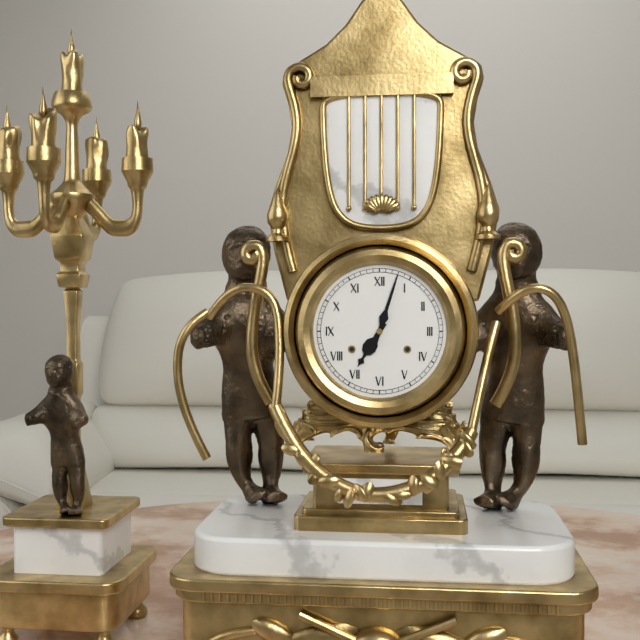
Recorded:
7 h 03 min
